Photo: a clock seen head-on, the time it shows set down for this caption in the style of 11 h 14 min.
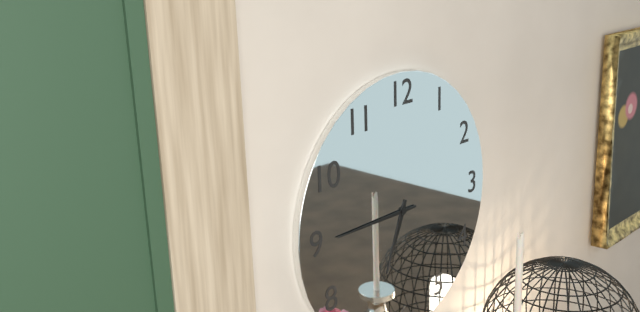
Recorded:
6 h 45 min
